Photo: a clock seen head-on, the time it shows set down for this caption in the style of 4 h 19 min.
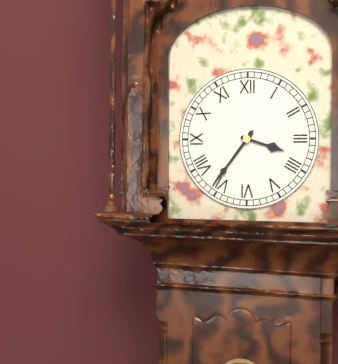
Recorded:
3 h 36 min
